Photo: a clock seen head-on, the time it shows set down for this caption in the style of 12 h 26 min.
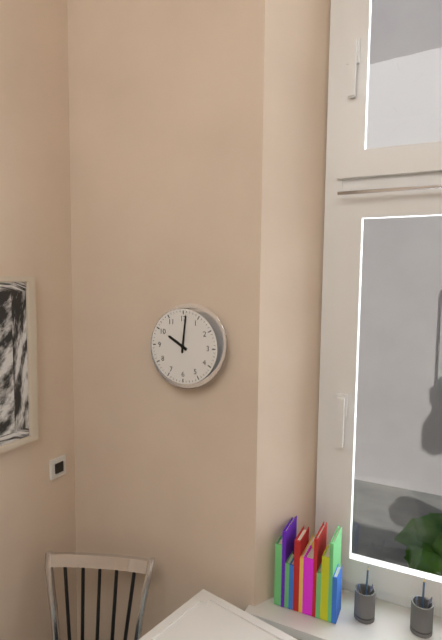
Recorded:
10 h 01 min
